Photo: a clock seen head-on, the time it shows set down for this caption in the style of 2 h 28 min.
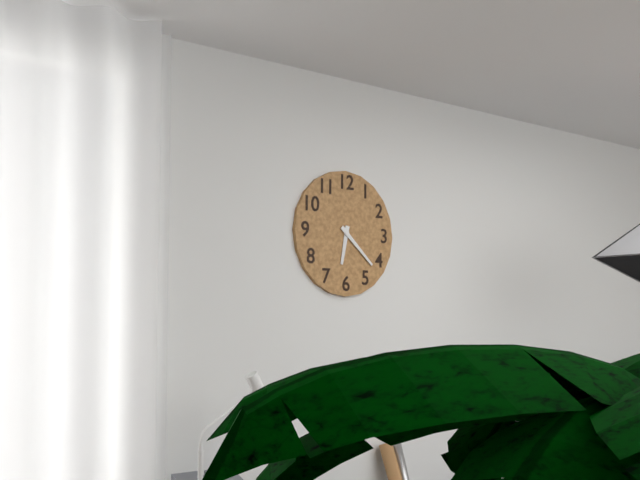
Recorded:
6 h 22 min
